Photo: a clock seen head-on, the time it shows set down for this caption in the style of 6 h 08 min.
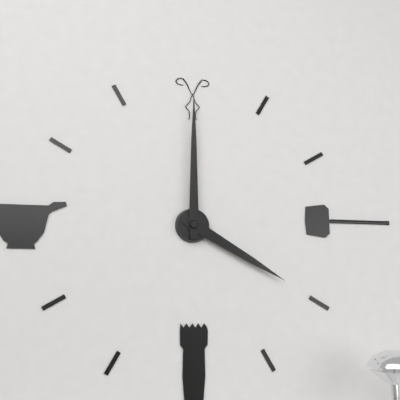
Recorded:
4 h 00 min
